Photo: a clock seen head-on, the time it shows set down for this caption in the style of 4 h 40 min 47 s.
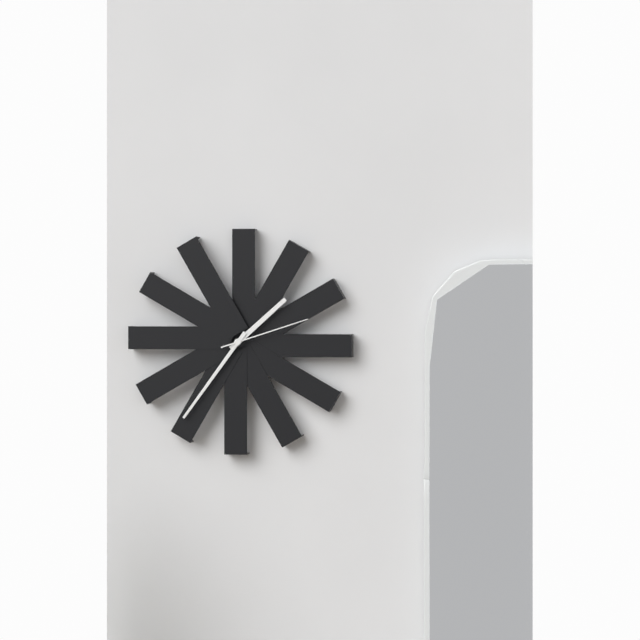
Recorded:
1 h 36 min 12 s
